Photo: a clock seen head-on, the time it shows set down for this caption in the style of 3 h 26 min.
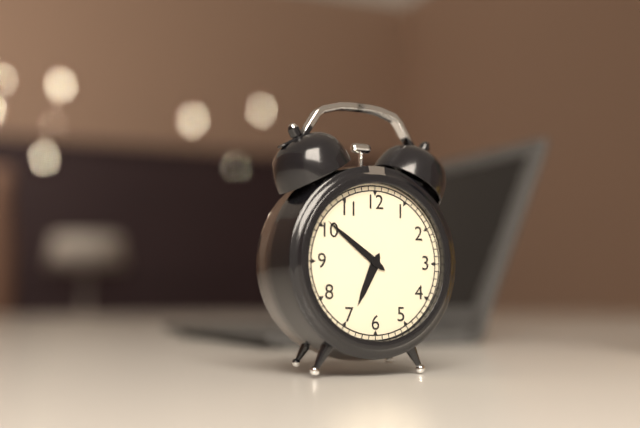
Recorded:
6 h 51 min
